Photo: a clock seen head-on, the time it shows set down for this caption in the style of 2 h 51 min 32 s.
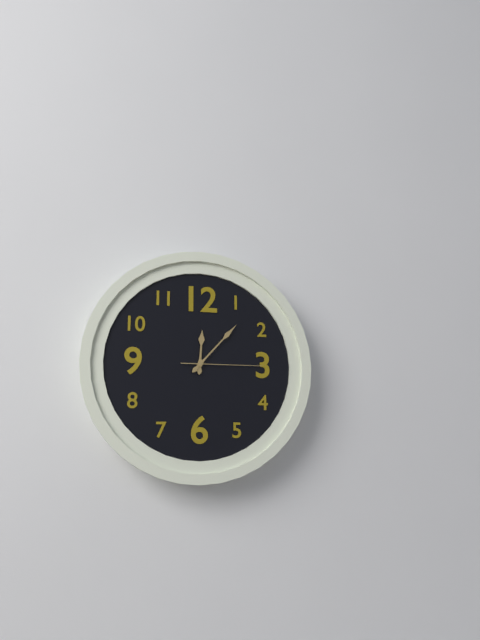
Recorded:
12 h 07 min 15 s
